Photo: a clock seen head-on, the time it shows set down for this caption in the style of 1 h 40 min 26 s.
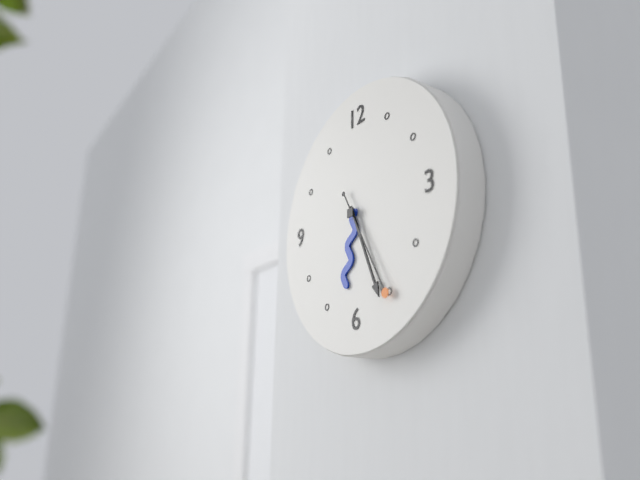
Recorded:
6 h 26 min 25 s
